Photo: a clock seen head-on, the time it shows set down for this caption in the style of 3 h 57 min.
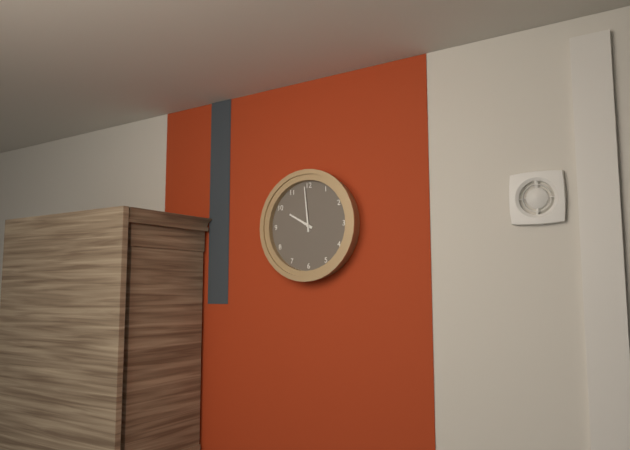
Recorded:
9 h 59 min
